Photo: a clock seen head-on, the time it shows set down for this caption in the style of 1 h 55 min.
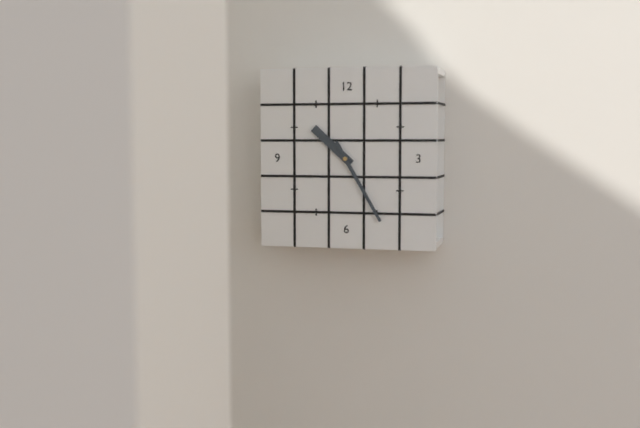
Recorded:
10 h 25 min
